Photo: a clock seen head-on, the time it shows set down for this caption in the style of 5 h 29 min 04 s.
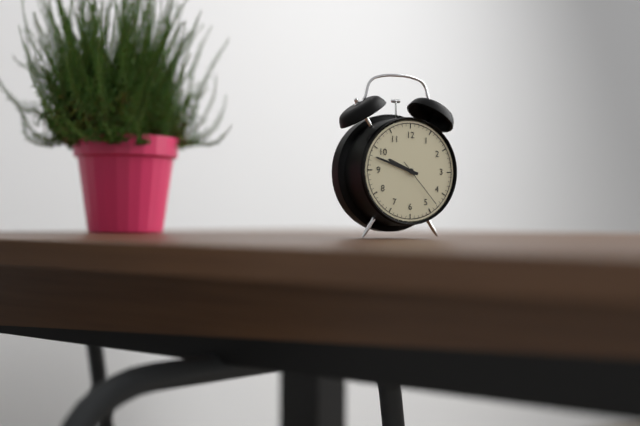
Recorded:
9 h 48 min 23 s
